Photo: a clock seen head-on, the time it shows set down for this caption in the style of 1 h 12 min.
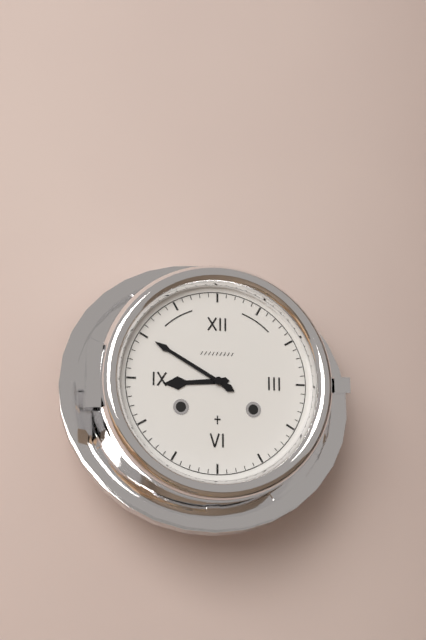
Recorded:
8 h 50 min
